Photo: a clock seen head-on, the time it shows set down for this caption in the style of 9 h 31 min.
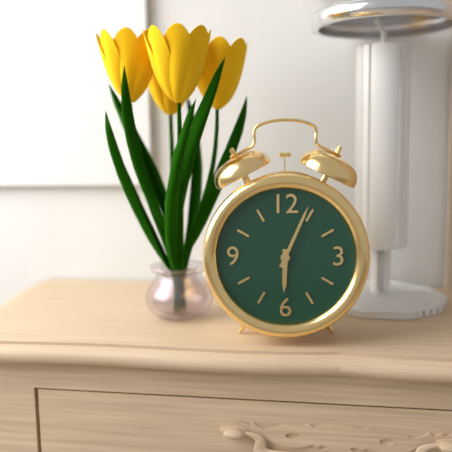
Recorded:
6 h 04 min
